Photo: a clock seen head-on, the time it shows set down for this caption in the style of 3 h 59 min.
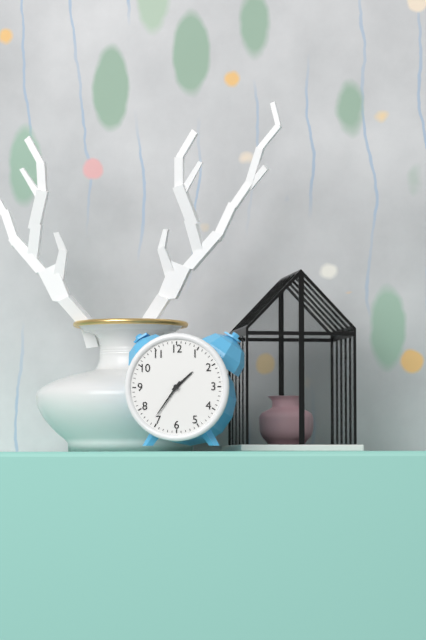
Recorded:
1 h 36 min
